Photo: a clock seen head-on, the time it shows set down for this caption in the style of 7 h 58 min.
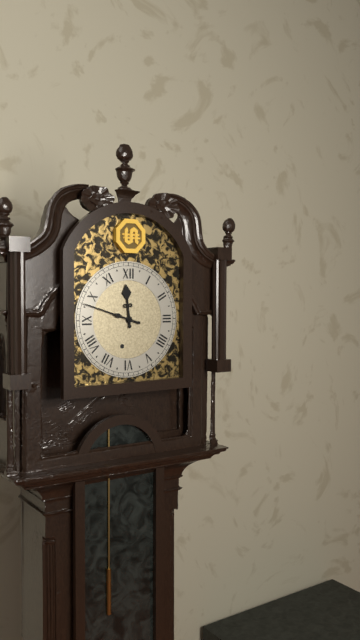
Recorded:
11 h 48 min
